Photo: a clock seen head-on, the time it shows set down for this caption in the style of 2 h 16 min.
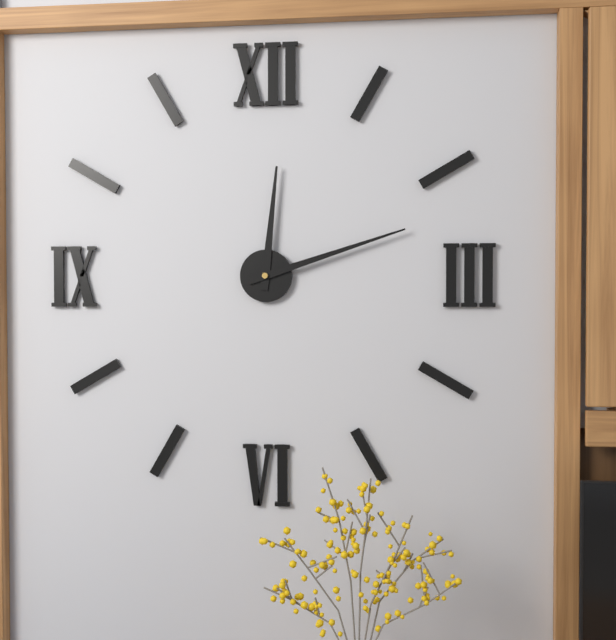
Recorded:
12 h 12 min
